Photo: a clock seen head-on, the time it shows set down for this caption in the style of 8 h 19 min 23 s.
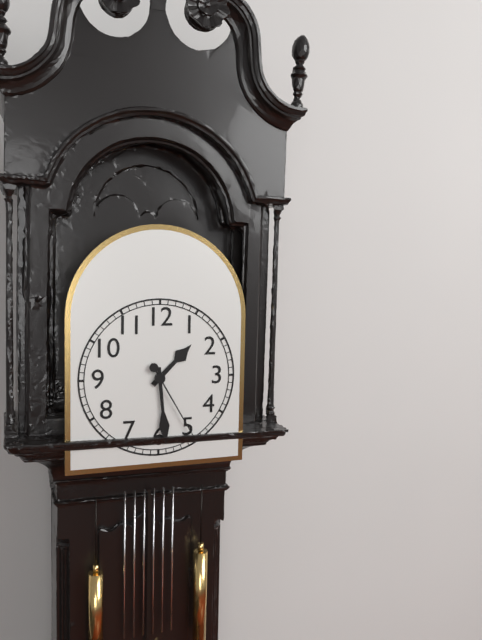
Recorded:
1 h 29 min 25 s
